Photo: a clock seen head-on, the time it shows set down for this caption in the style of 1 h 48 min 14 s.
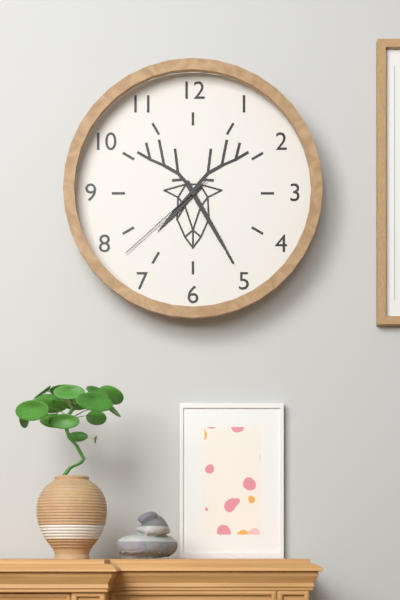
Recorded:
7 h 25 min 38 s
